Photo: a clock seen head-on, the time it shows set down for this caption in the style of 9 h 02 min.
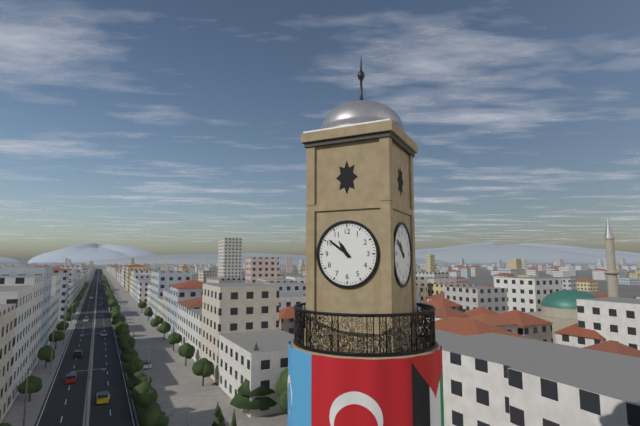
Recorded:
10 h 51 min
